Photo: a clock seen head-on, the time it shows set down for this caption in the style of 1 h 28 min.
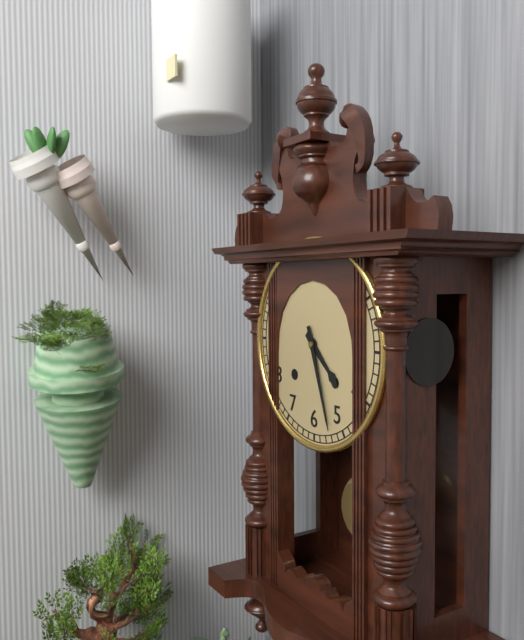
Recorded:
4 h 27 min
